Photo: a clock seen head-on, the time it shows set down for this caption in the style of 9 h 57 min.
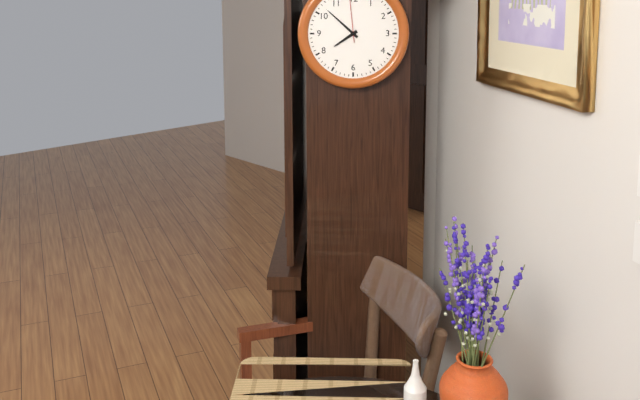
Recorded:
7 h 52 min
